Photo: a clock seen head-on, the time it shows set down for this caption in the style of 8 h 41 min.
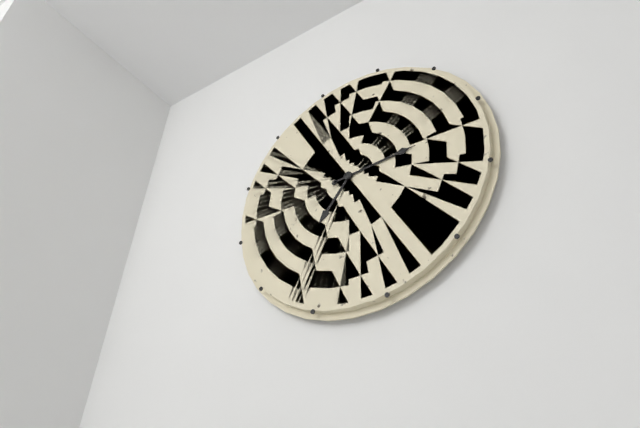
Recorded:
7 h 14 min
